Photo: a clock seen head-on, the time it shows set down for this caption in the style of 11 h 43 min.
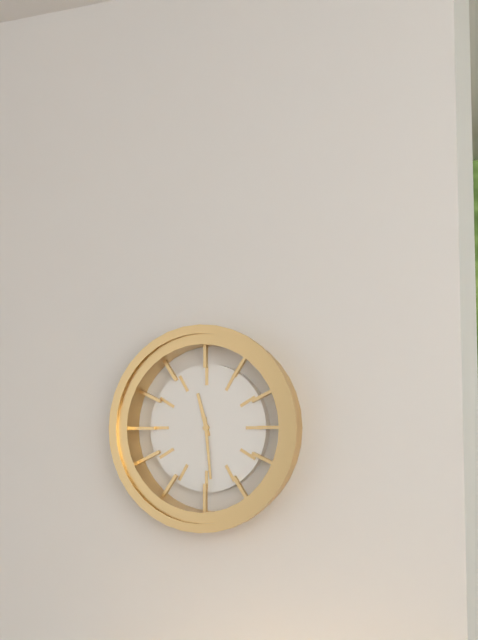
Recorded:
11 h 29 min
